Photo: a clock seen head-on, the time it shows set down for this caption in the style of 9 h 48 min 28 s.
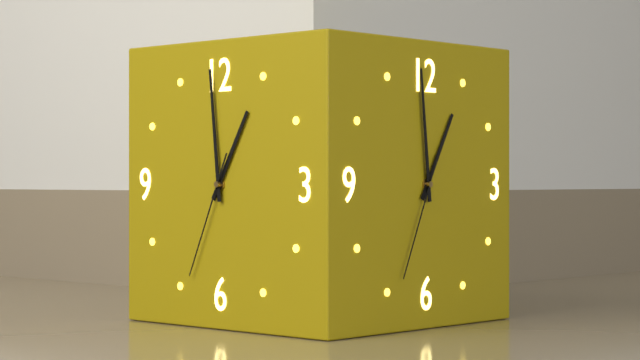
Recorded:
12 h 59 min 34 s
